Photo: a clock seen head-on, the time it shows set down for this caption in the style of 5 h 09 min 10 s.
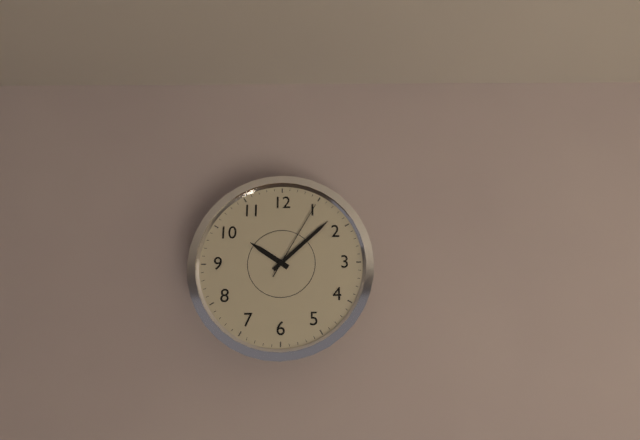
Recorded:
10 h 08 min 05 s
